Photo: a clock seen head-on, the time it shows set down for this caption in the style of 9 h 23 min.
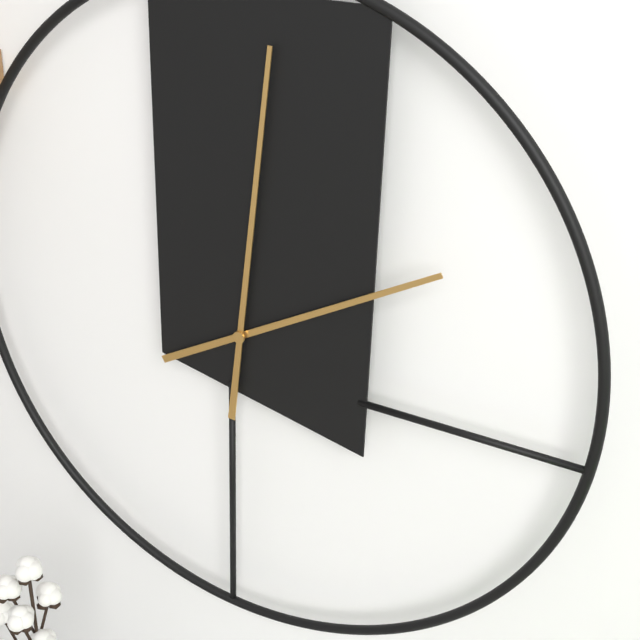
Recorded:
2 h 01 min
